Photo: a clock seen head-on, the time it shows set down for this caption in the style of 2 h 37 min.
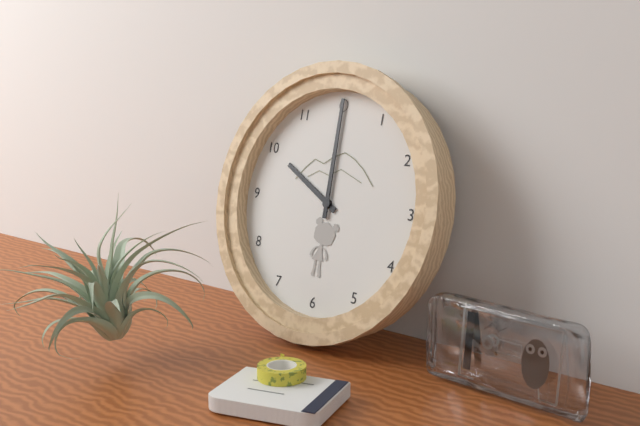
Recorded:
10 h 00 min
